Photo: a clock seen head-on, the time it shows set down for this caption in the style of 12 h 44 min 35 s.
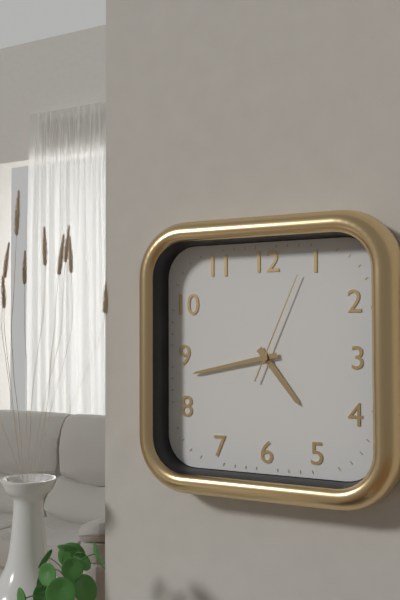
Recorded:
4 h 43 min 04 s
